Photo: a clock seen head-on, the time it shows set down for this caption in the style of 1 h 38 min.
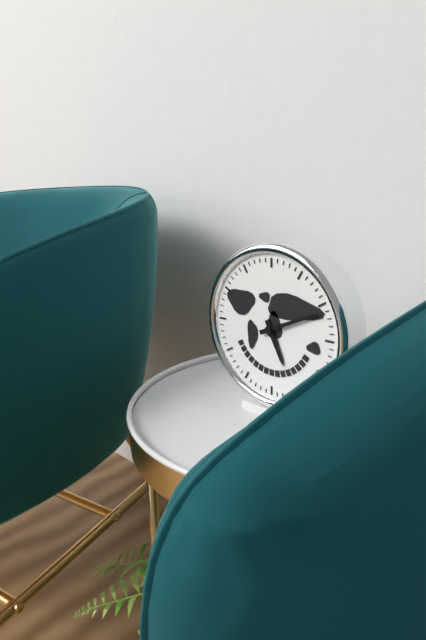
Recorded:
5 h 11 min
